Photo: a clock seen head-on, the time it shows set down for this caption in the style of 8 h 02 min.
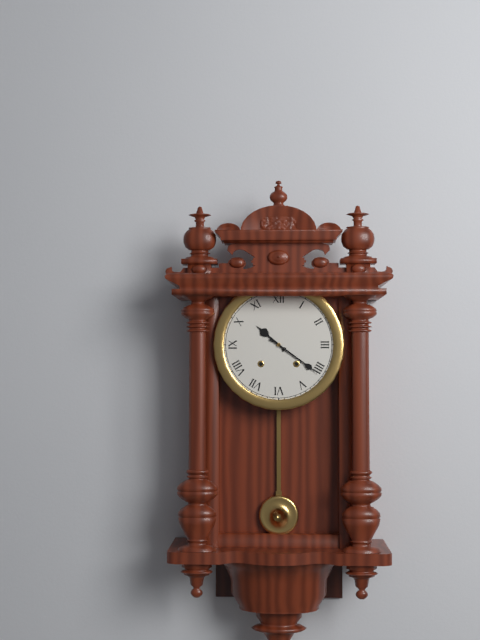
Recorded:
10 h 21 min
